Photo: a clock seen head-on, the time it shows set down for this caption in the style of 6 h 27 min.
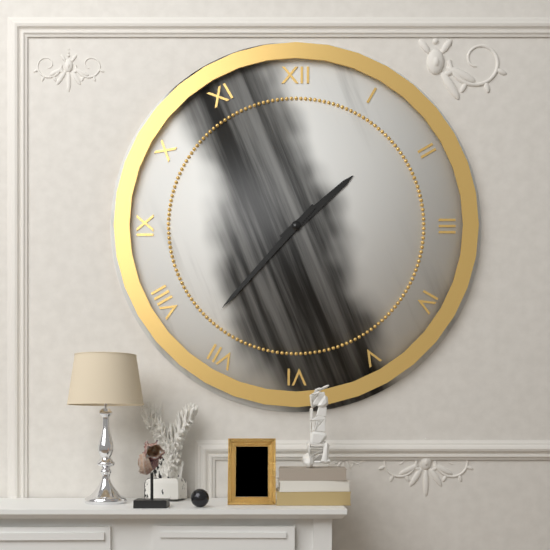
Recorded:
1 h 37 min
